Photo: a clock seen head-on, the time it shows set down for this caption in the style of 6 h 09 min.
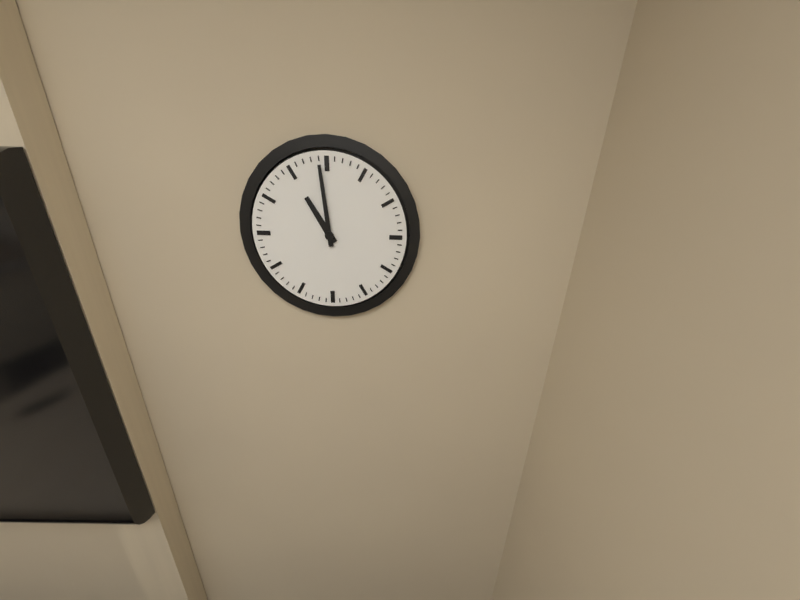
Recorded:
10 h 59 min
